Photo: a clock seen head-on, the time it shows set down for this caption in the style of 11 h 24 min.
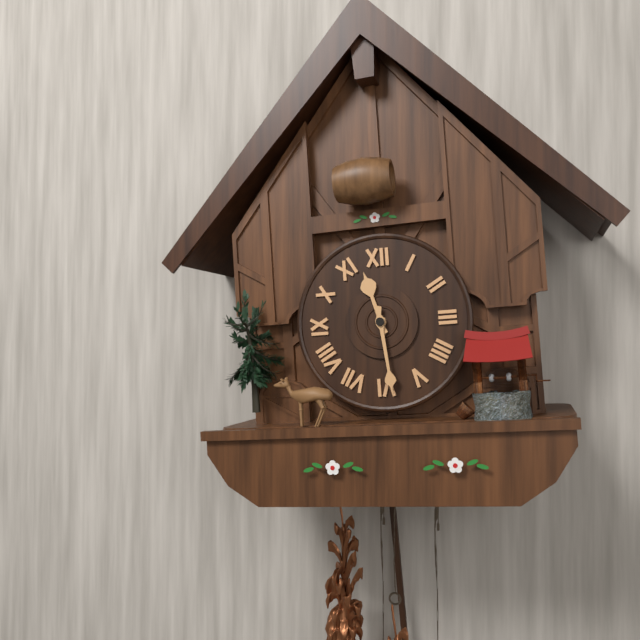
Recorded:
11 h 29 min
